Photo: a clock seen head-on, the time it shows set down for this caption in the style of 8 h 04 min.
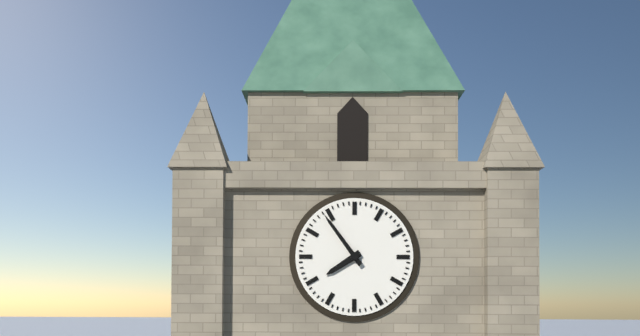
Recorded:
7 h 54 min
